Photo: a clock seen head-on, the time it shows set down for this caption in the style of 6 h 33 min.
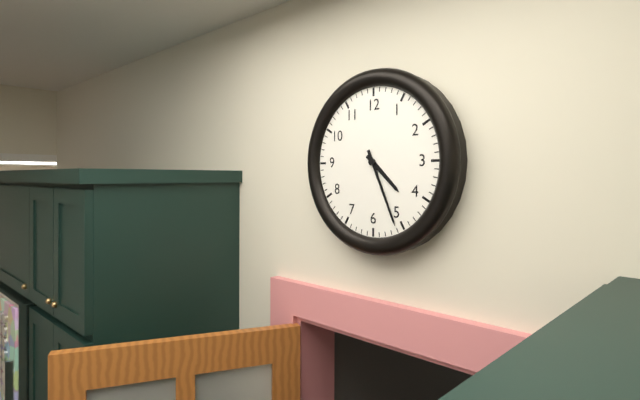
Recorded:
4 h 26 min
